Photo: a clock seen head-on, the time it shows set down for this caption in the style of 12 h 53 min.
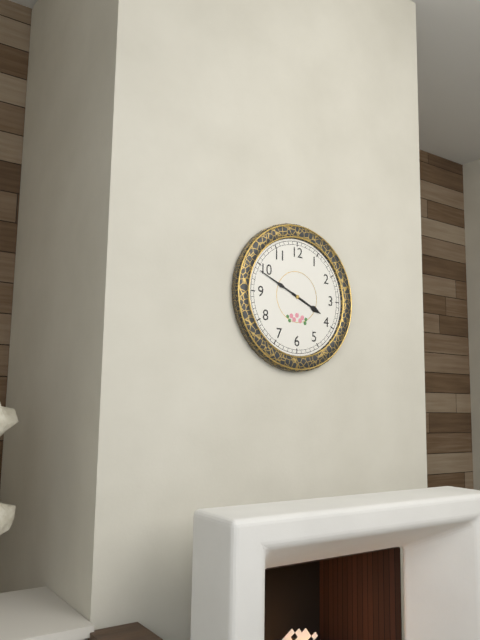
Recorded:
3 h 49 min
